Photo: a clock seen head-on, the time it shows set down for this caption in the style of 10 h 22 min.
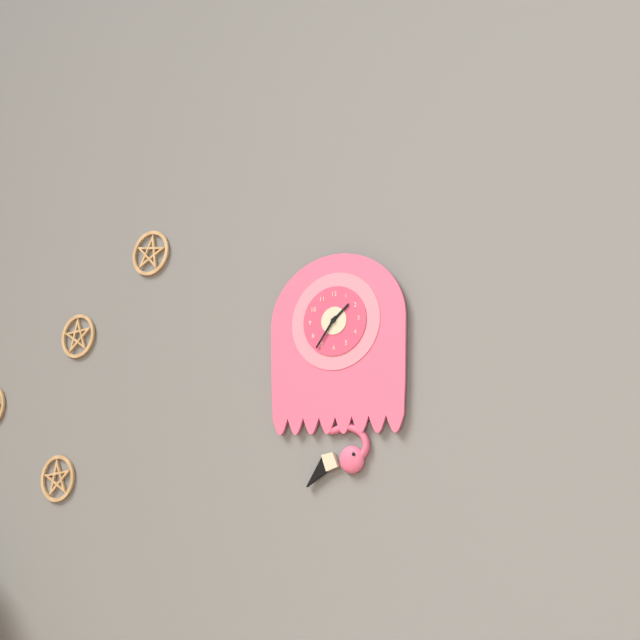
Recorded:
1 h 36 min
